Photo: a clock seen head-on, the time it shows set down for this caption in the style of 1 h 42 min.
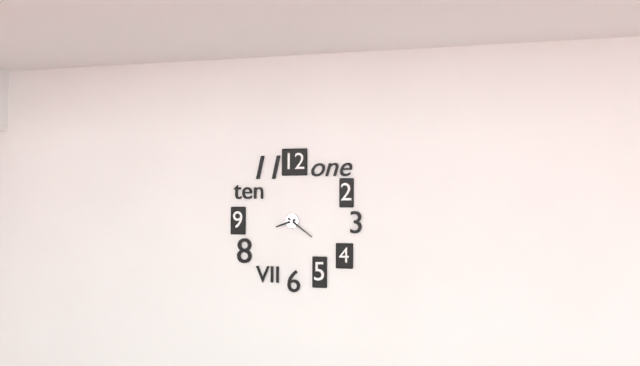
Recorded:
8 h 21 min
